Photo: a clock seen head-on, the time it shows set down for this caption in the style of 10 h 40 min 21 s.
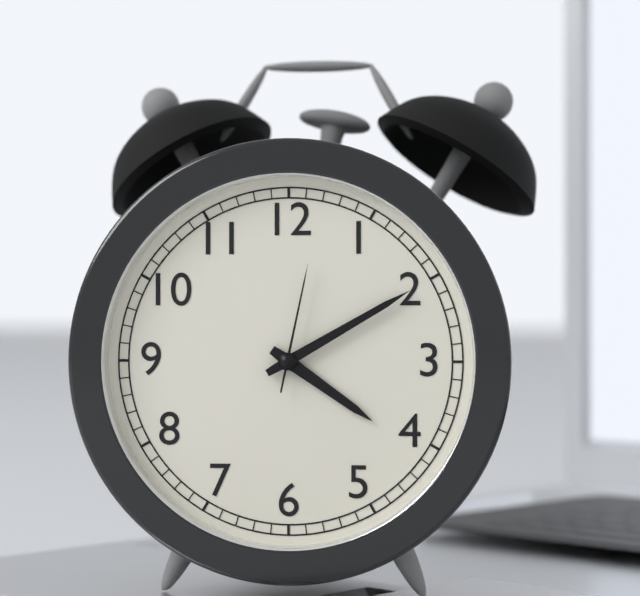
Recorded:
4 h 10 min 02 s
